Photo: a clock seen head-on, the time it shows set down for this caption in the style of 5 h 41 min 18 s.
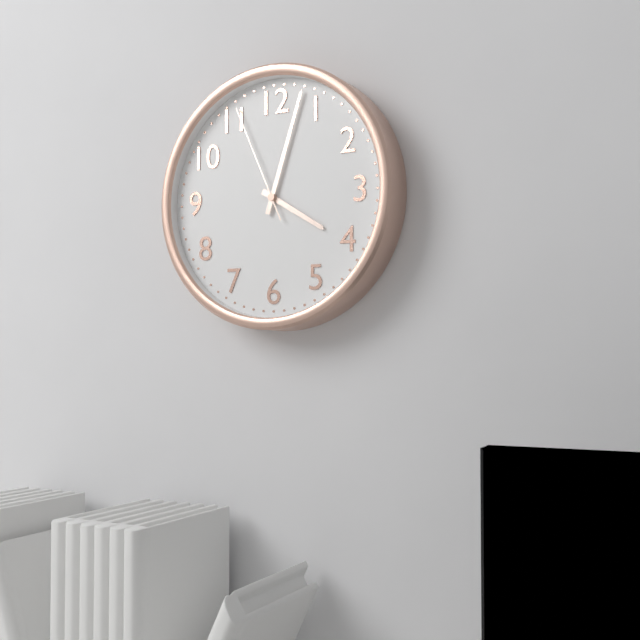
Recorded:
4 h 03 min 56 s
